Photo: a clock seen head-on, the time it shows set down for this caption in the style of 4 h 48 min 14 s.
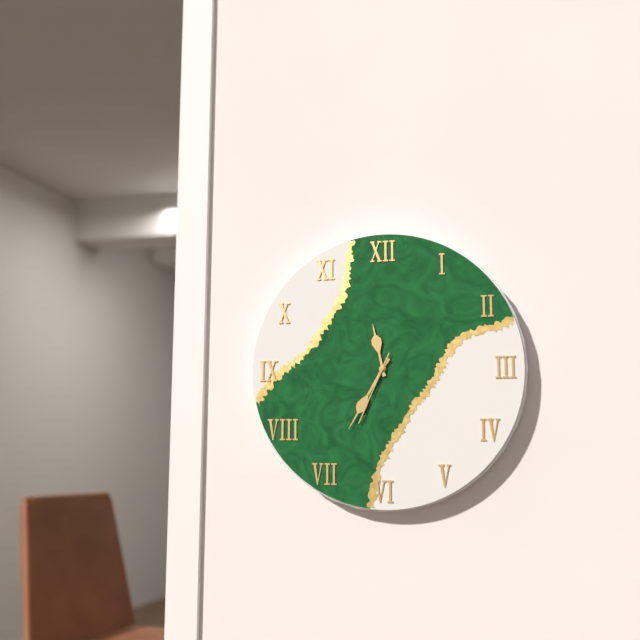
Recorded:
11 h 35 min 34 s
